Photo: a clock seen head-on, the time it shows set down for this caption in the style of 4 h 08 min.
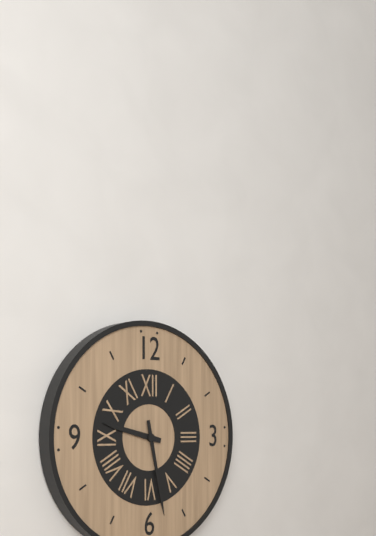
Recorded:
9 h 28 min
